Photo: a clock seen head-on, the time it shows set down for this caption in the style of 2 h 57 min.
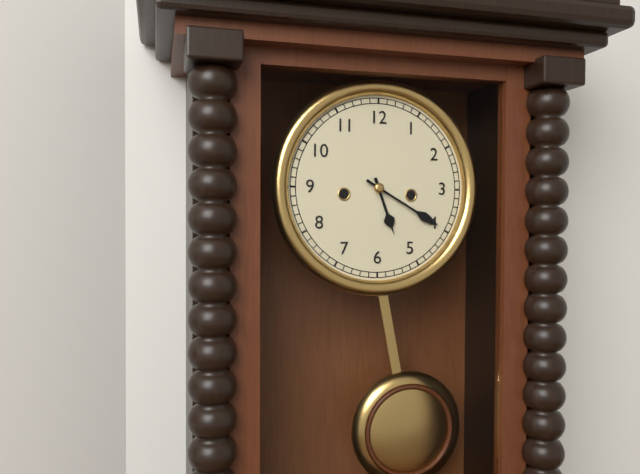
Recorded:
5 h 20 min
